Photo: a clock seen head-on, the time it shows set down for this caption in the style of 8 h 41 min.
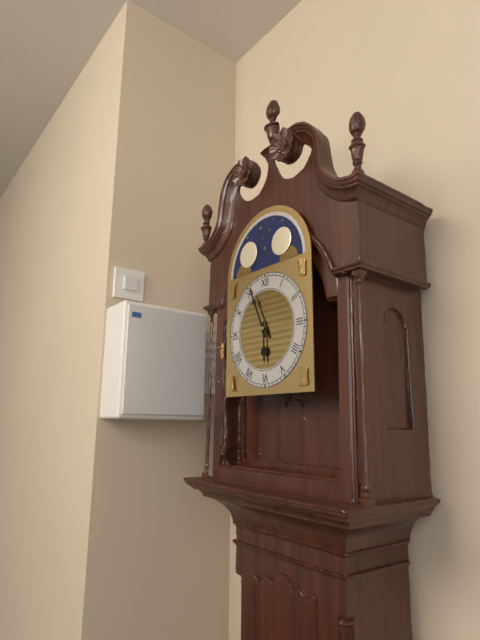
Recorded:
5 h 56 min
